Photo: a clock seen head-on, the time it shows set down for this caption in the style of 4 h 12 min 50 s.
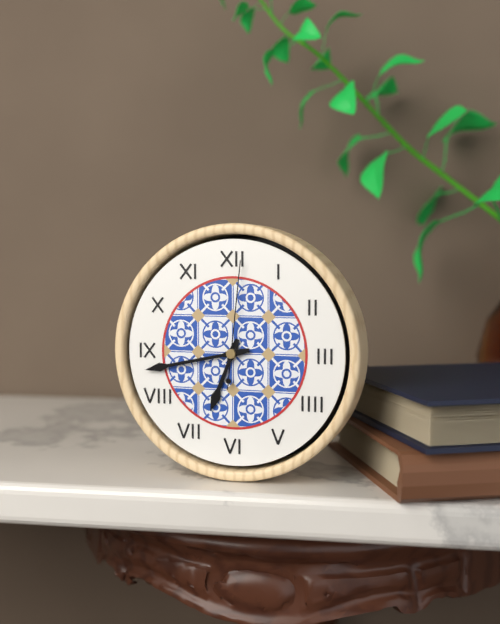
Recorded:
6 h 43 min 01 s
